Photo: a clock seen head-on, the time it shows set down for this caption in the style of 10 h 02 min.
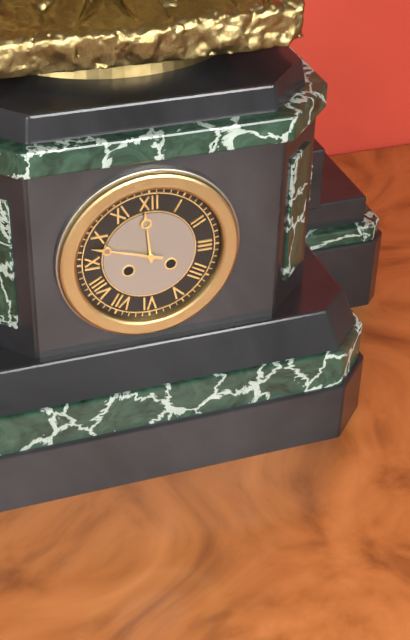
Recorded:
11 h 48 min
